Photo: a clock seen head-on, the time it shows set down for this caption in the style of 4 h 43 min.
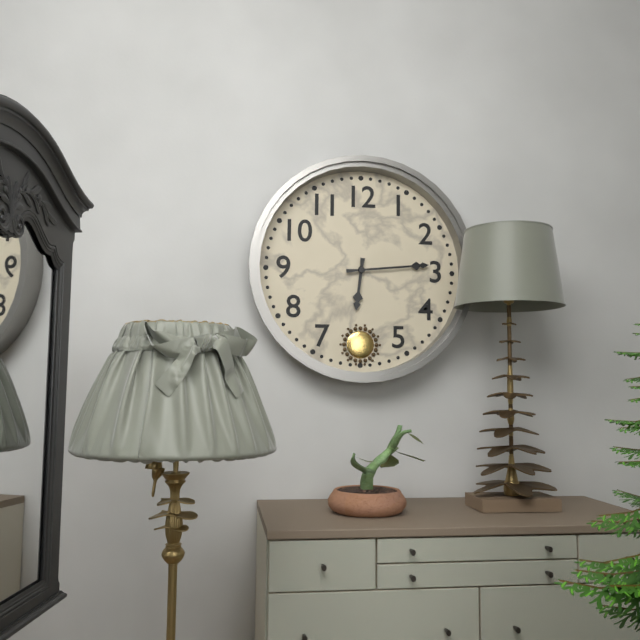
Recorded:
6 h 14 min
